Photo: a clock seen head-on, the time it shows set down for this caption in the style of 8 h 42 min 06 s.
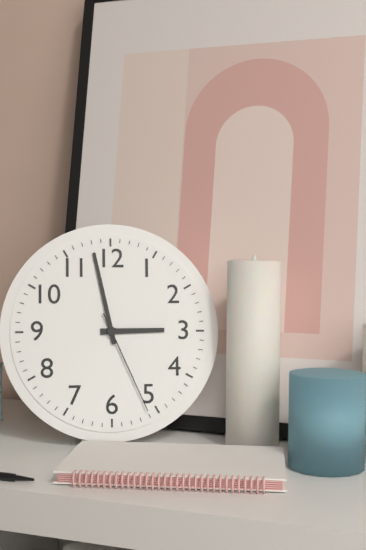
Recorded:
2 h 58 min 26 s
